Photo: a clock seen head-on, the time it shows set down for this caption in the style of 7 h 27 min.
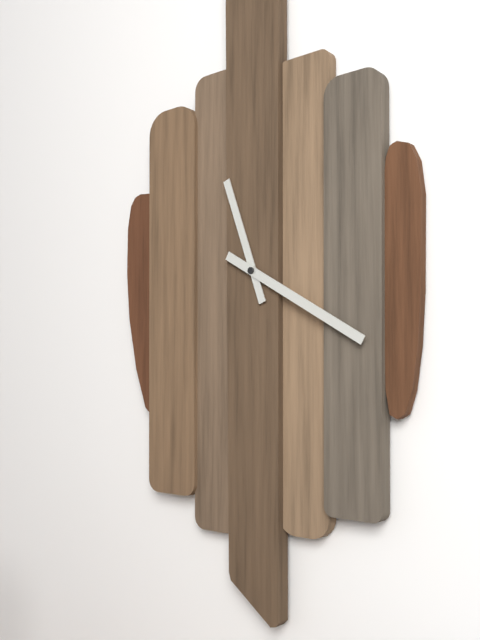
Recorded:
11 h 20 min
